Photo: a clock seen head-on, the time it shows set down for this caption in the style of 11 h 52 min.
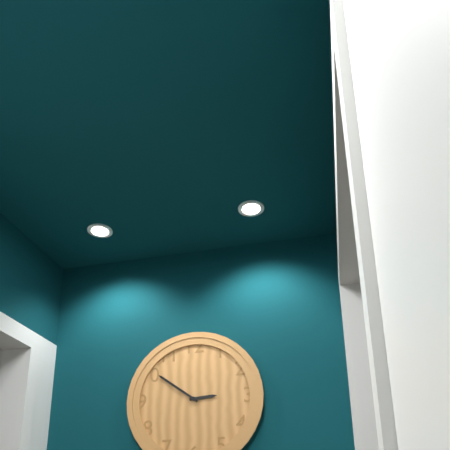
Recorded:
2 h 51 min
